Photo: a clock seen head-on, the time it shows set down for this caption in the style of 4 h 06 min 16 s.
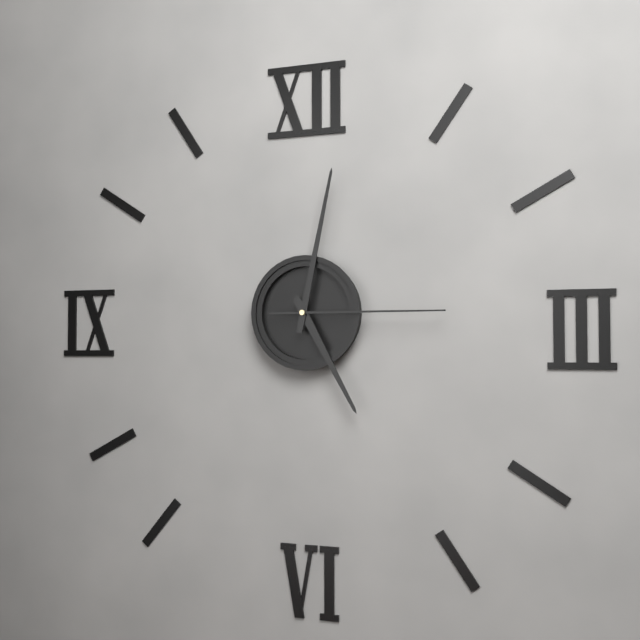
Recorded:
5 h 02 min 15 s
